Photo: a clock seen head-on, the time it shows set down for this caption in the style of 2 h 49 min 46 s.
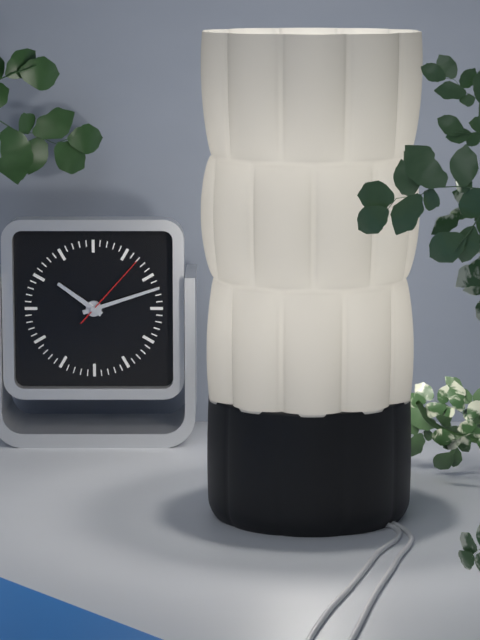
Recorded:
10 h 12 min 07 s
